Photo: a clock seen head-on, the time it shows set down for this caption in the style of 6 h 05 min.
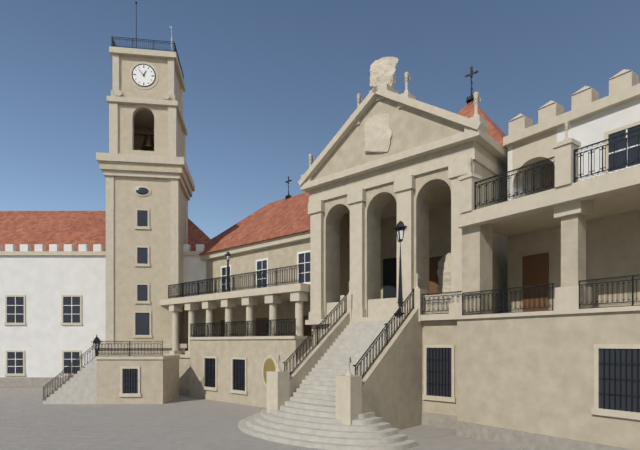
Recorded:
12 h 53 min
